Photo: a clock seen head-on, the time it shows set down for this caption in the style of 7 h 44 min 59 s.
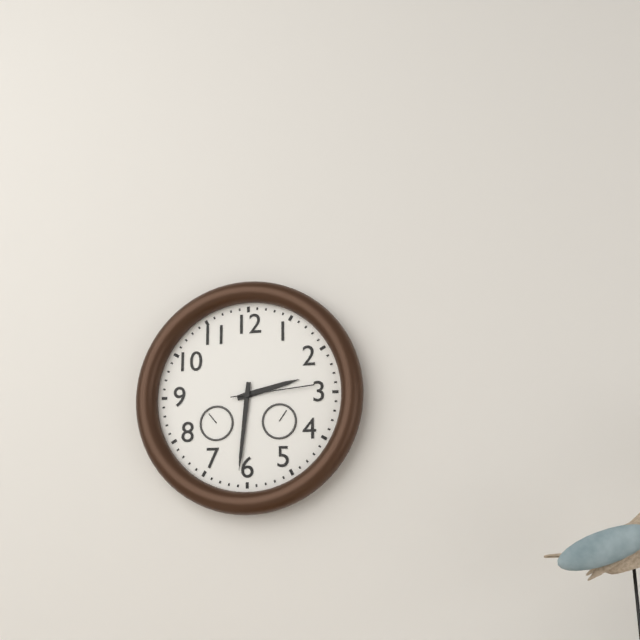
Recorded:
2 h 31 min 14 s
